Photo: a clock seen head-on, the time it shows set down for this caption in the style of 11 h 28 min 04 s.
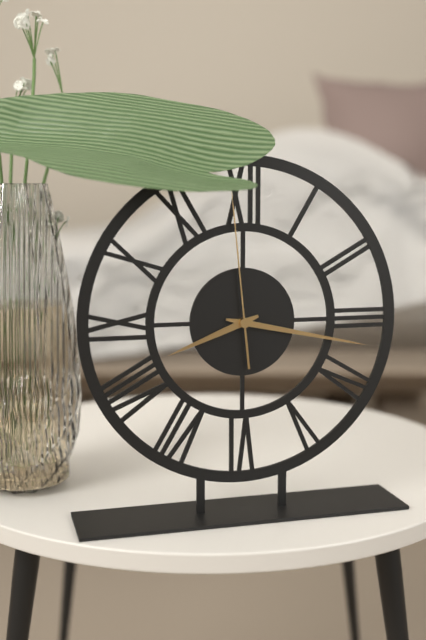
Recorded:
8 h 17 min 59 s
